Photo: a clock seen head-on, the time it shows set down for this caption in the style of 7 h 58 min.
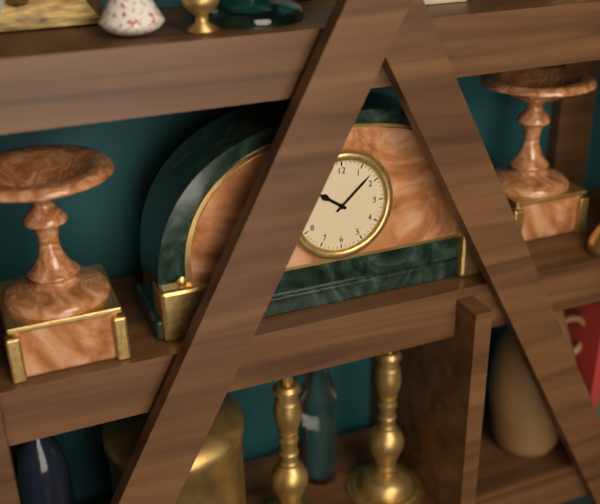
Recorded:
10 h 08 min
